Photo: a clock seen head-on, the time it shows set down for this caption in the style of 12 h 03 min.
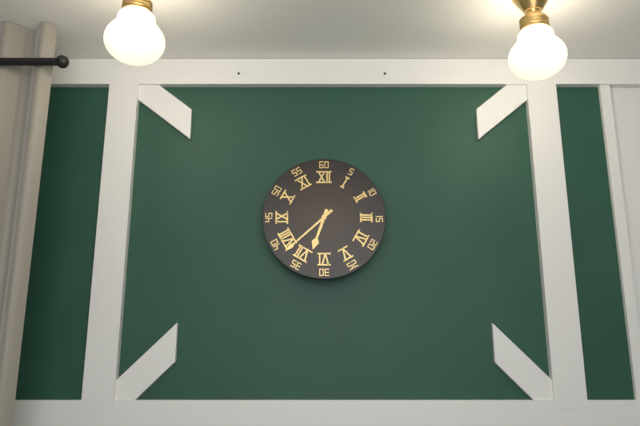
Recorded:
6 h 38 min
